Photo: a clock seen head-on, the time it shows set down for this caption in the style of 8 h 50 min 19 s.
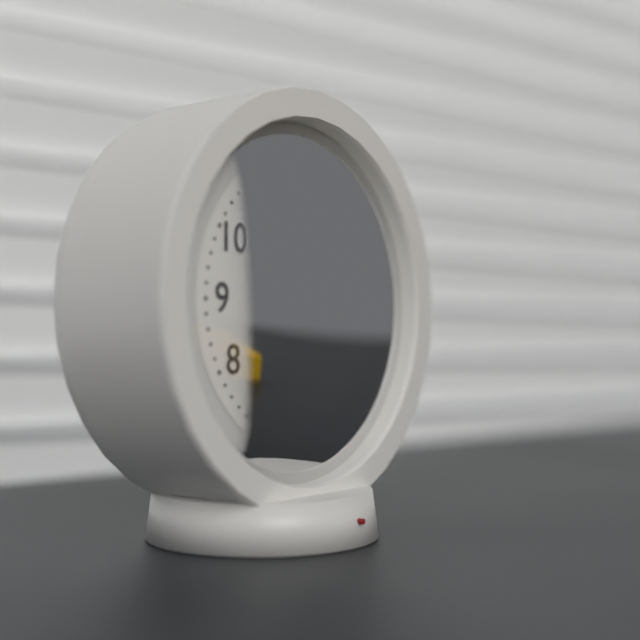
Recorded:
1 h 28 min 56 s
